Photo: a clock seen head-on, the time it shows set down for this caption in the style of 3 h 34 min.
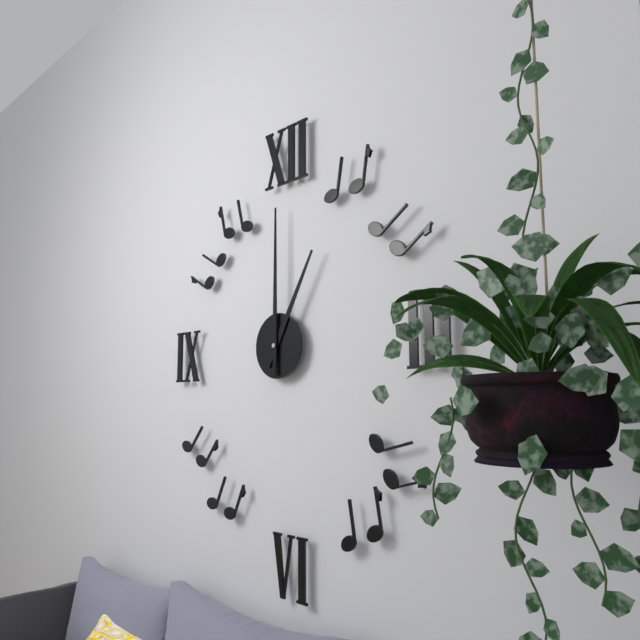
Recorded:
1 h 00 min
